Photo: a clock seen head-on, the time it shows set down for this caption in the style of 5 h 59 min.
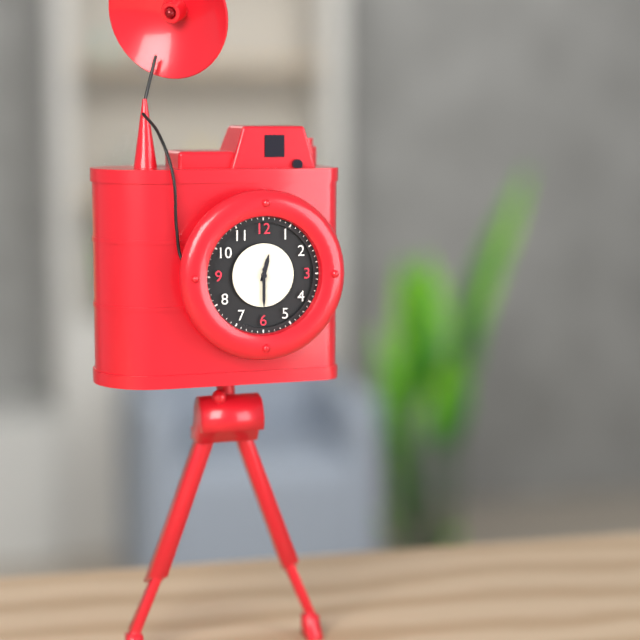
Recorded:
12 h 30 min
